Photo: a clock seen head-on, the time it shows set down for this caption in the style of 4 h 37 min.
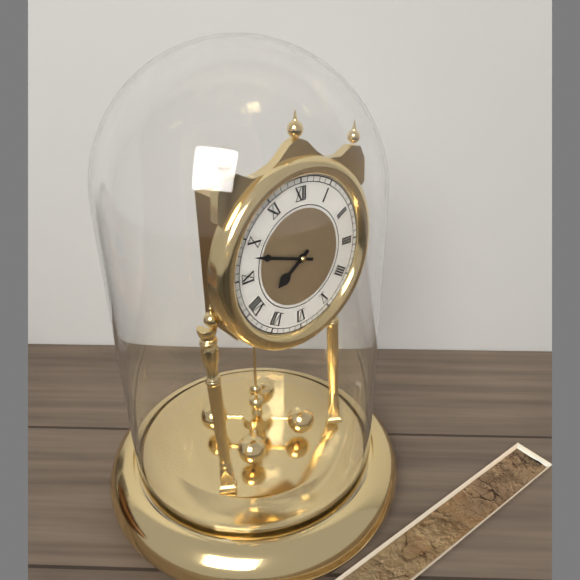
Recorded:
7 h 48 min
